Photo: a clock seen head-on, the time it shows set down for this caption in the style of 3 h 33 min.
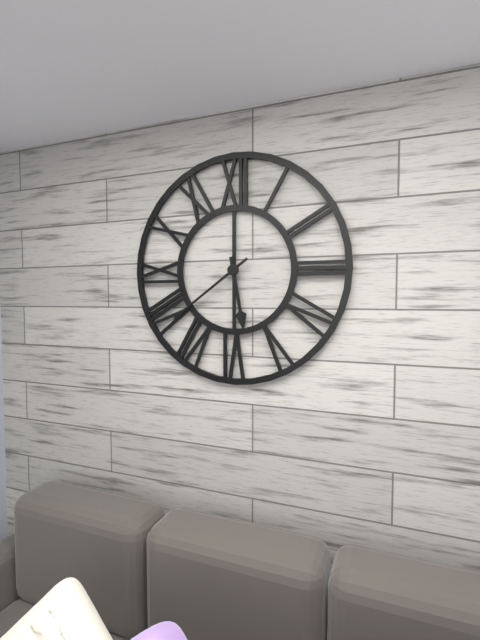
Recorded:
5 h 39 min
